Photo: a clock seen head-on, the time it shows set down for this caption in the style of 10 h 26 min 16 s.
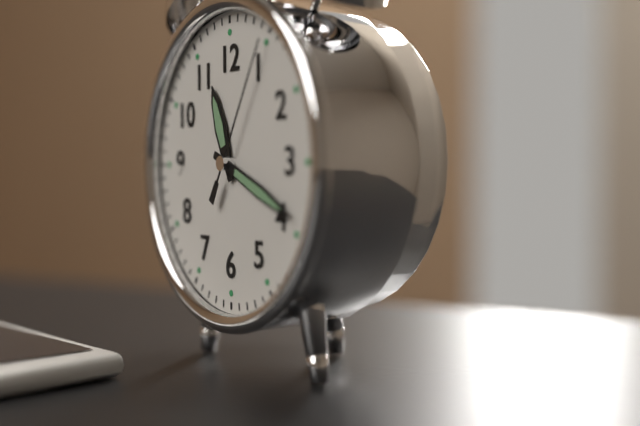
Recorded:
11 h 19 min 05 s
